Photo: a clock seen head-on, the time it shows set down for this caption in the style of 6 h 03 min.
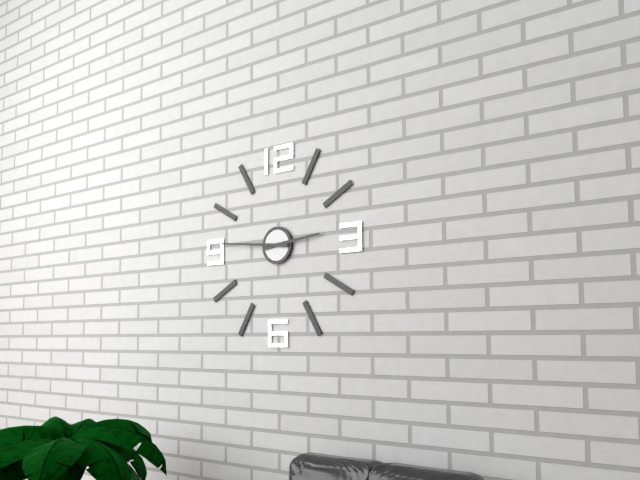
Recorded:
2 h 46 min
